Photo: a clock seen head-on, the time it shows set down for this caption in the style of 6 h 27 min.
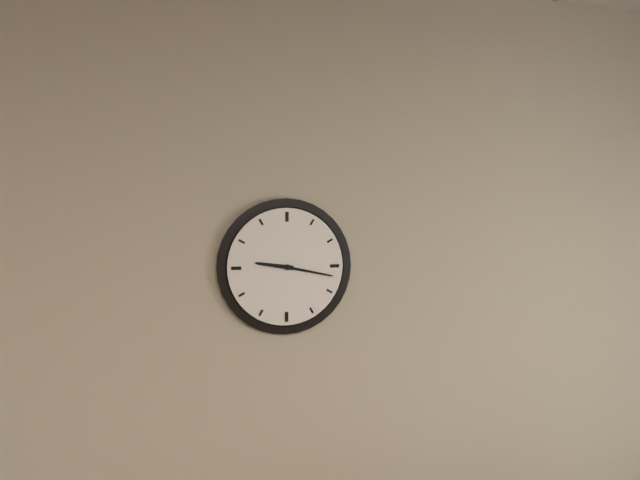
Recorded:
9 h 17 min
